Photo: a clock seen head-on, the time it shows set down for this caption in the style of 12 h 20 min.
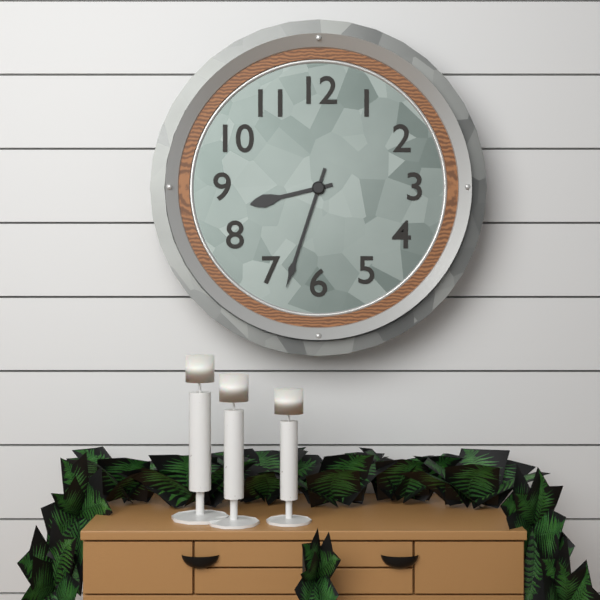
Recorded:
8 h 33 min
